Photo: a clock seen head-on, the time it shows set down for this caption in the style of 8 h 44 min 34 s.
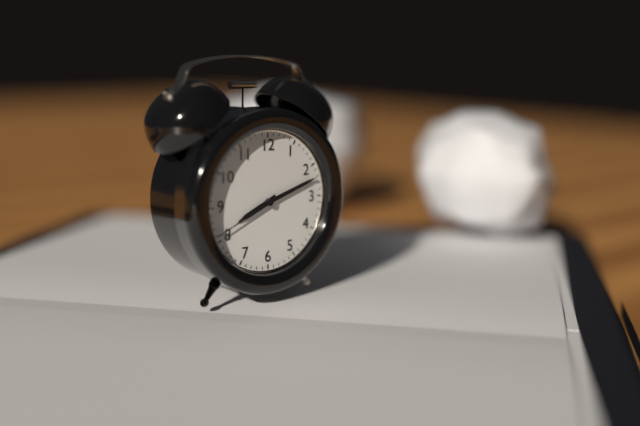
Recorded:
8 h 12 min 41 s
